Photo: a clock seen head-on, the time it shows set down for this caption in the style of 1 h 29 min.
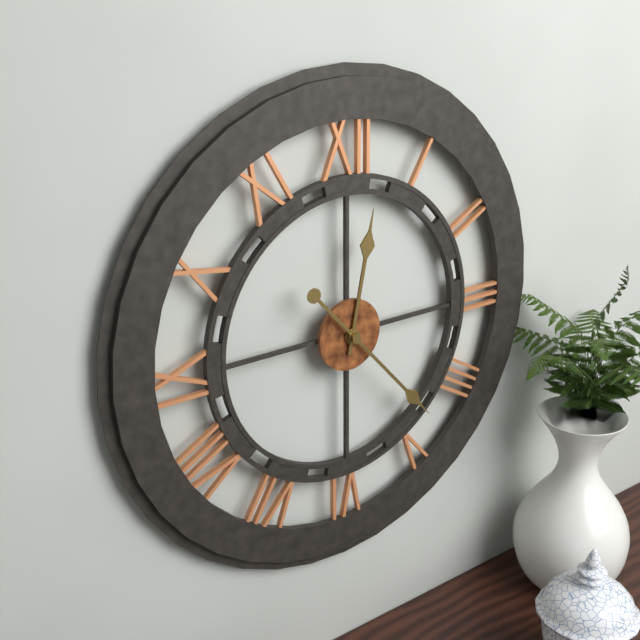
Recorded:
12 h 23 min
